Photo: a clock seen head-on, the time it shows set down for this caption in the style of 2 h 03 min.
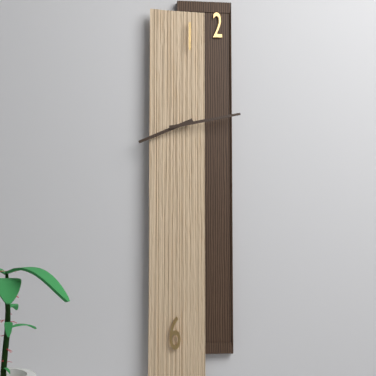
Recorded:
8 h 13 min
